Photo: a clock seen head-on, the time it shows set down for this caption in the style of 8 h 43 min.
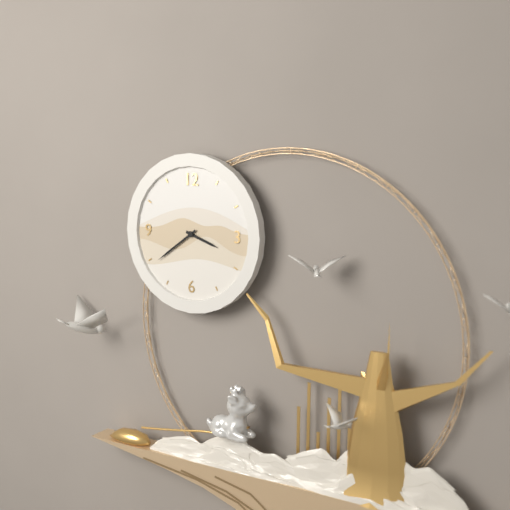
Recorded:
3 h 39 min
